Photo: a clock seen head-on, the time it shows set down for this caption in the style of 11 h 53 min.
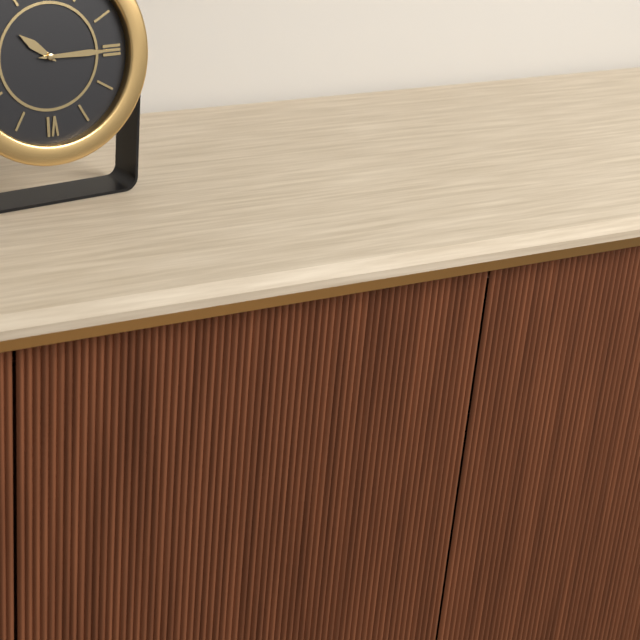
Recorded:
10 h 15 min
